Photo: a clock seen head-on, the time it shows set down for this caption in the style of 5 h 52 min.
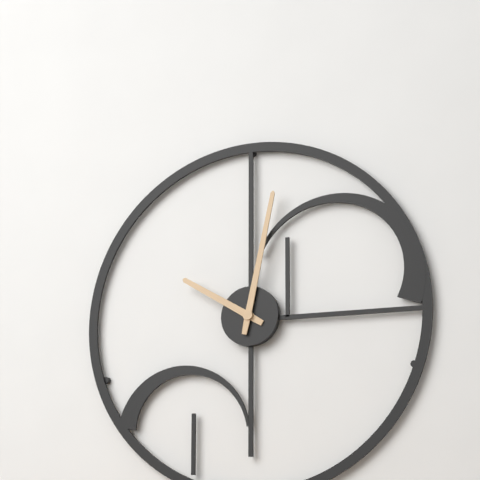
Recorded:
10 h 02 min
